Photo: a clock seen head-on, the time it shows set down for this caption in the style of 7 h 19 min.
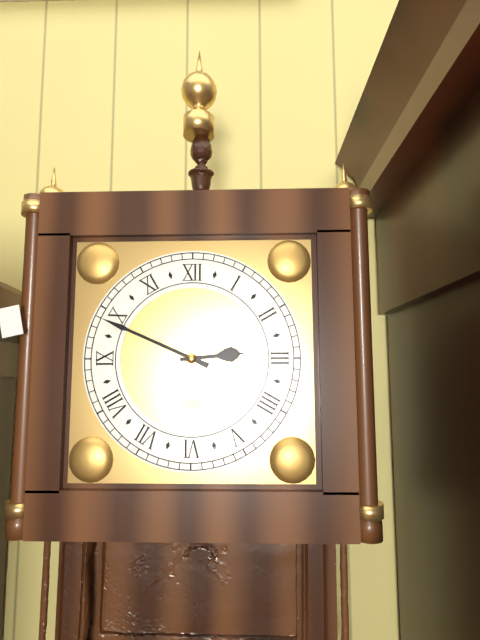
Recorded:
2 h 49 min
